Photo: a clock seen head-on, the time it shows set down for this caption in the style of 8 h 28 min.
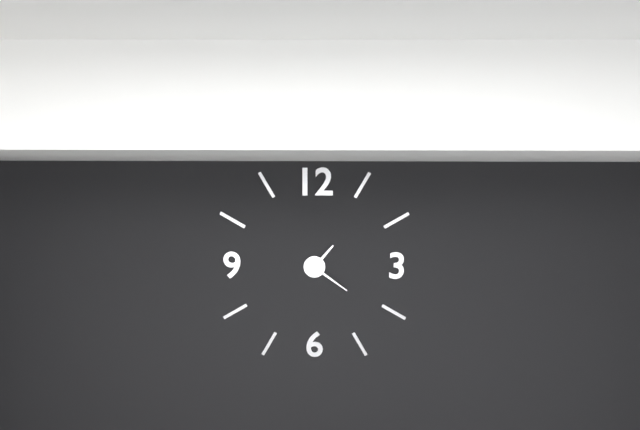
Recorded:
1 h 21 min
